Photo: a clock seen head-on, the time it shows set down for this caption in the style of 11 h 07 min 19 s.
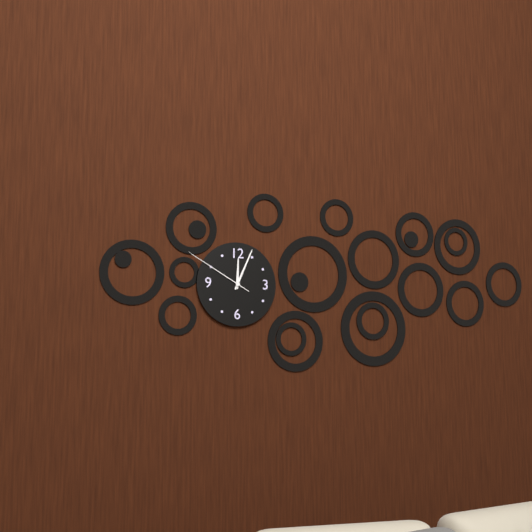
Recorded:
12 h 04 min 50 s
